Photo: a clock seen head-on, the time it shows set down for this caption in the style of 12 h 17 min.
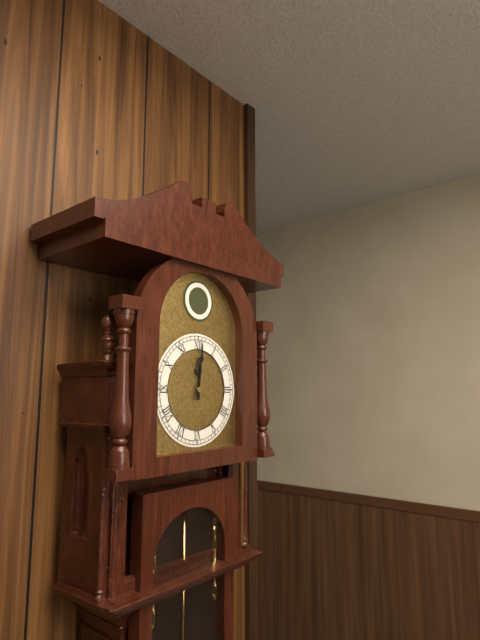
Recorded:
12 h 01 min
